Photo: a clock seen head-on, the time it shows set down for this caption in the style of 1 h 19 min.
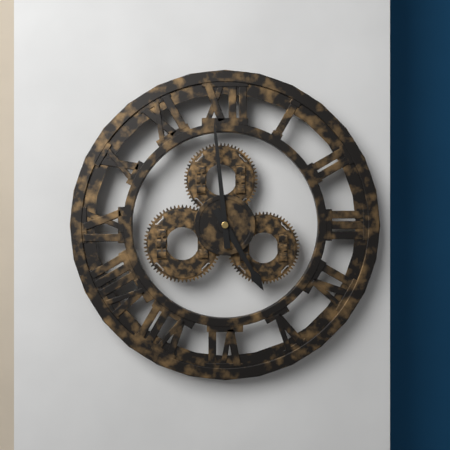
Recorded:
4 h 59 min
